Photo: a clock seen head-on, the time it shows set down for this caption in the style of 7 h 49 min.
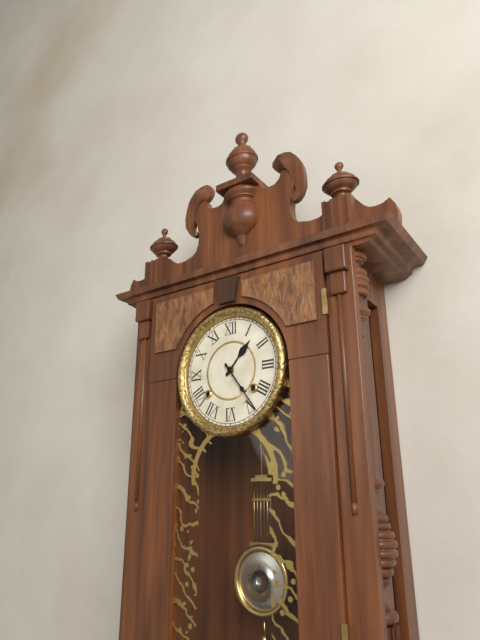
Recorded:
1 h 24 min
